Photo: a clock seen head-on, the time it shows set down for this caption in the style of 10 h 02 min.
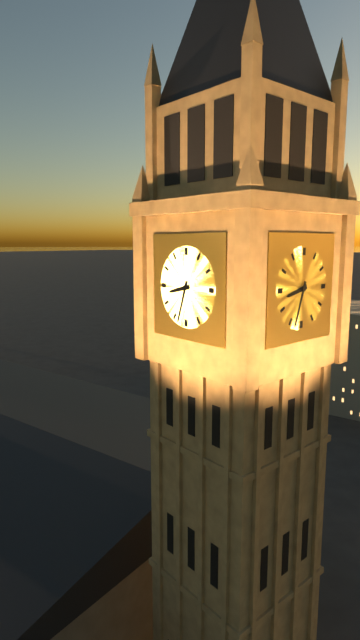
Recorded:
8 h 33 min
